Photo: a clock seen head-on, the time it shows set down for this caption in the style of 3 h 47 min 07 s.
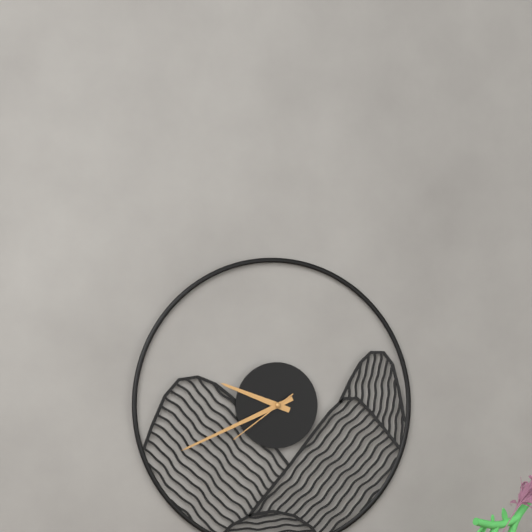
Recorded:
9 h 41 min 39 s
